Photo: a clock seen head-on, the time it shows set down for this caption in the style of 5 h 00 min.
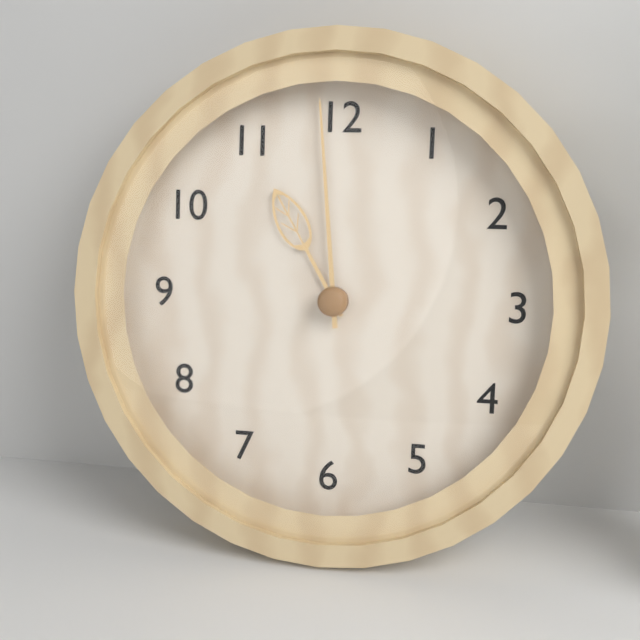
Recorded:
10 h 59 min
